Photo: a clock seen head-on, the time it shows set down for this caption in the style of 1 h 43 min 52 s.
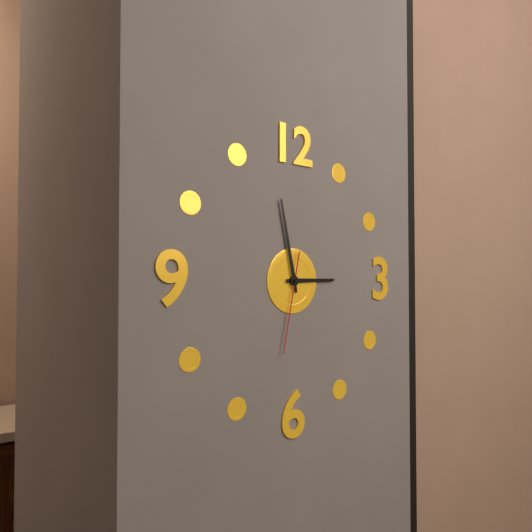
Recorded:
2 h 58 min 32 s
